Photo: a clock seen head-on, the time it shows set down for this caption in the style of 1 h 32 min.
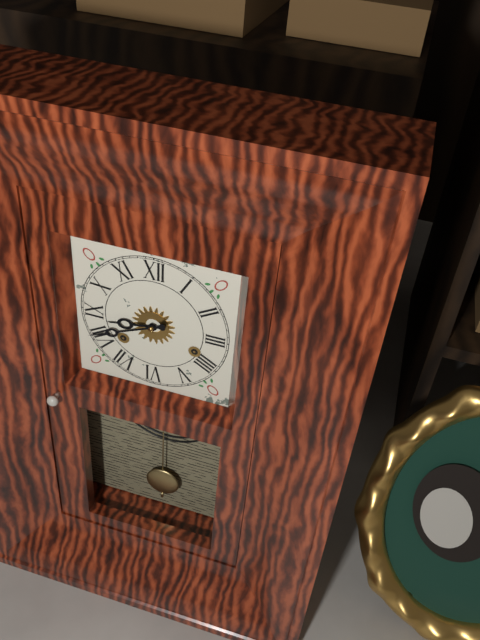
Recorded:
8 h 41 min
